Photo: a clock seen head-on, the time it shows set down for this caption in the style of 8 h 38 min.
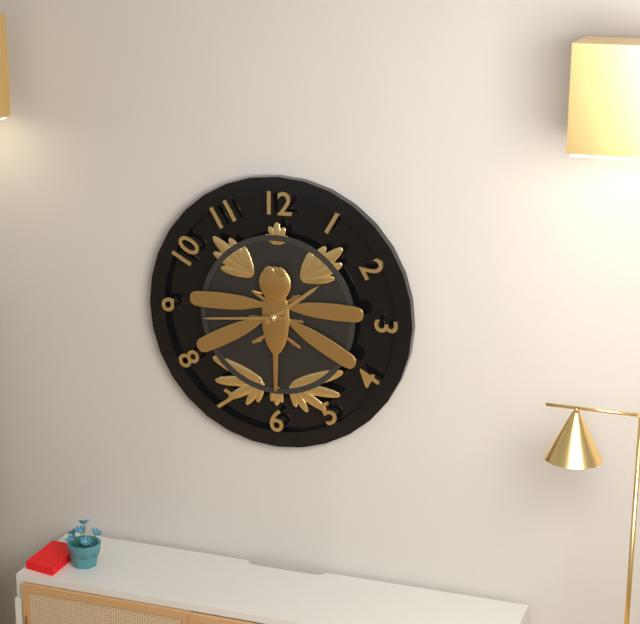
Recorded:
1 h 44 min
